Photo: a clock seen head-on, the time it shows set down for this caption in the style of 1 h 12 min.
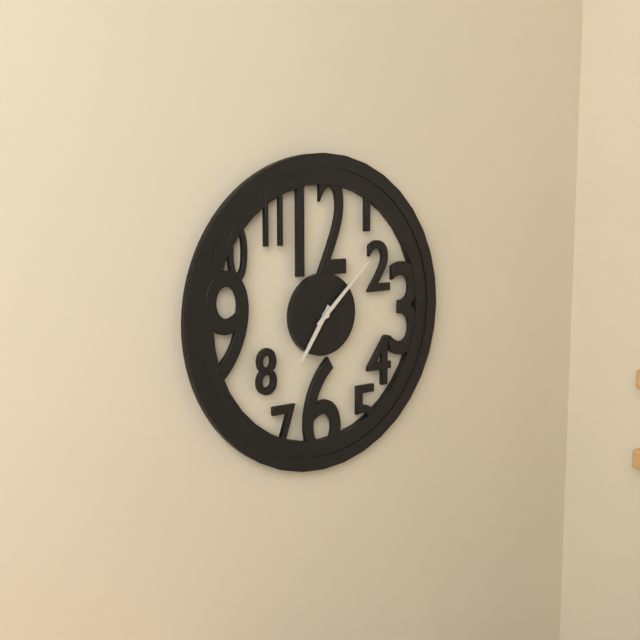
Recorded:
7 h 08 min
